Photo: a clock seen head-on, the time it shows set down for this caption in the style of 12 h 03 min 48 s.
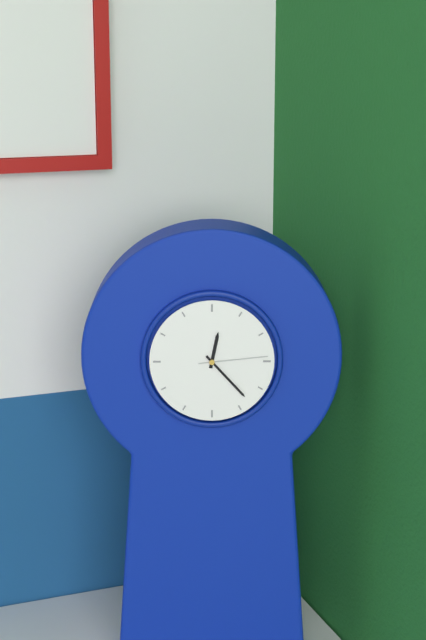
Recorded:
12 h 23 min 14 s
